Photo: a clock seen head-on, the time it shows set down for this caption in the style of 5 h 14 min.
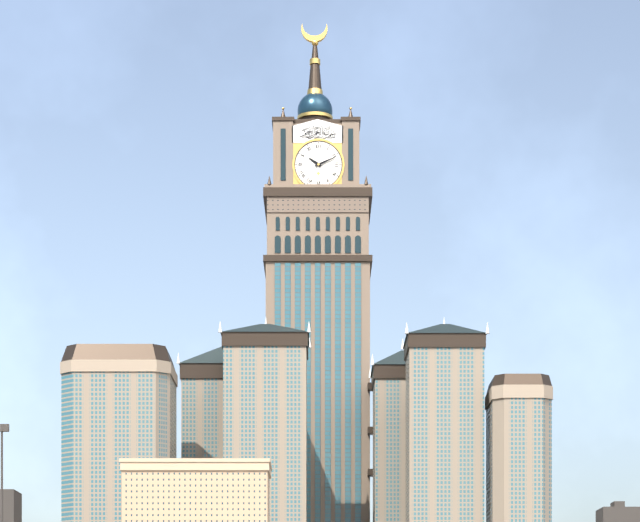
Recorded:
10 h 11 min
